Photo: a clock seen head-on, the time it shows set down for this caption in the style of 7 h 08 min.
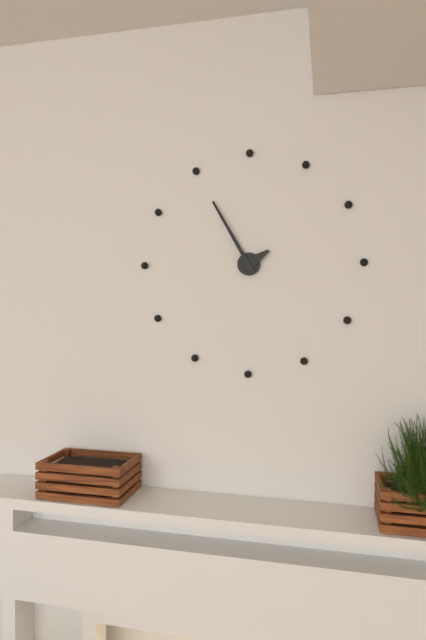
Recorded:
1 h 55 min
